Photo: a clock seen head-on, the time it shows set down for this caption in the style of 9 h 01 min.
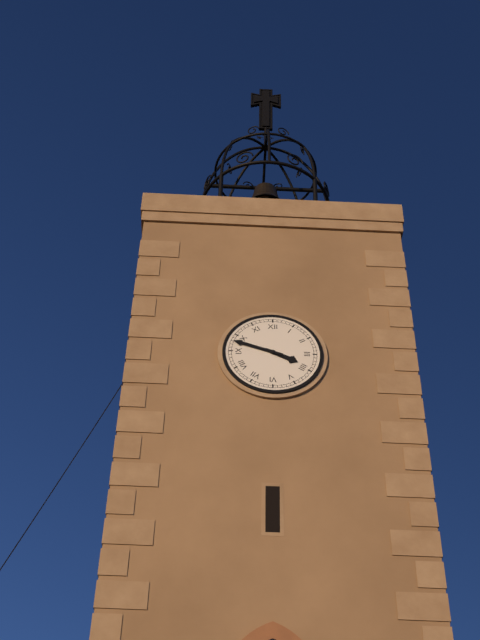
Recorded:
3 h 48 min
